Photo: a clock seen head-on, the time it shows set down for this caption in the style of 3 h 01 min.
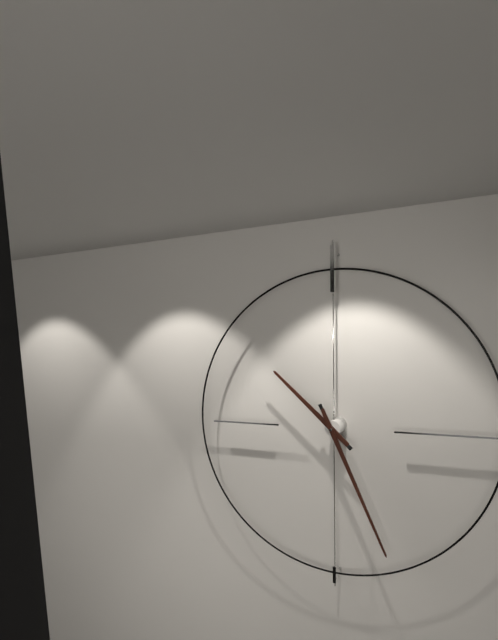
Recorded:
10 h 26 min
